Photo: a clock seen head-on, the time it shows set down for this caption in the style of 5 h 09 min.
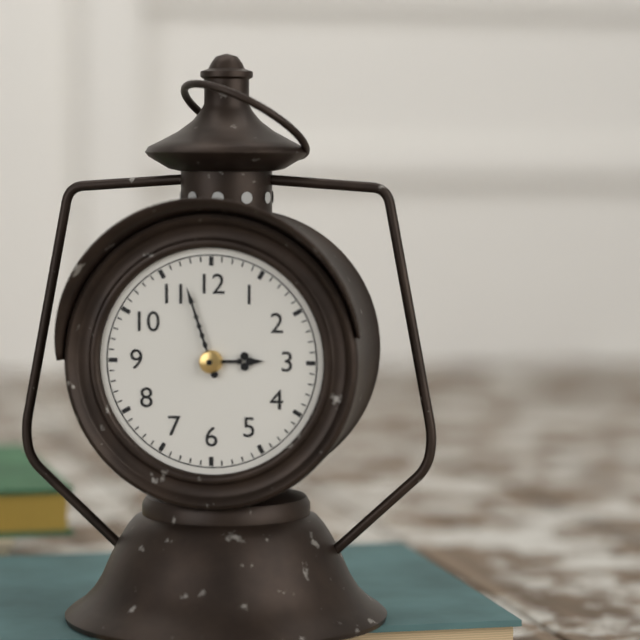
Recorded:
2 h 57 min
